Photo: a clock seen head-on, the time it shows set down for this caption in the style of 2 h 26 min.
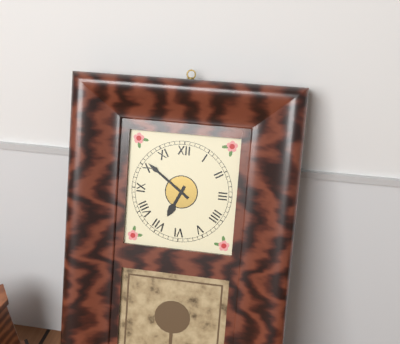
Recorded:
6 h 51 min
